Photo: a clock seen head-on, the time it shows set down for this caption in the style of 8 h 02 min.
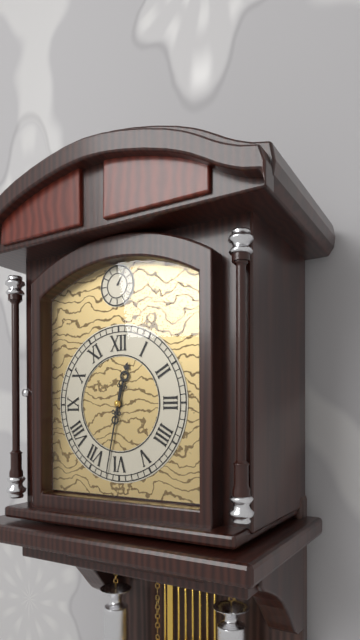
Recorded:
12 h 32 min
